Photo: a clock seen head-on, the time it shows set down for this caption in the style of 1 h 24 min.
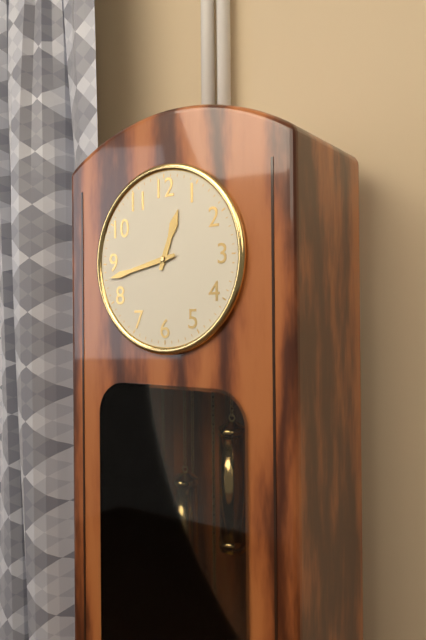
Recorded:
12 h 43 min
